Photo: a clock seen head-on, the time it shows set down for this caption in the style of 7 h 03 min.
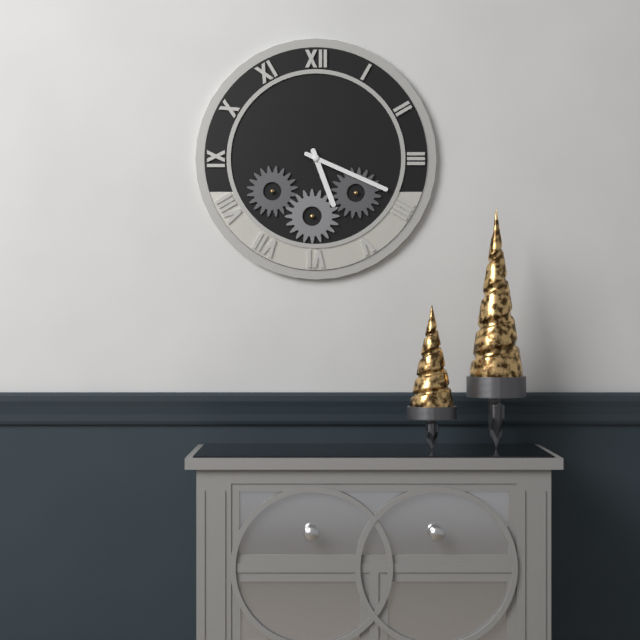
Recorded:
5 h 19 min
